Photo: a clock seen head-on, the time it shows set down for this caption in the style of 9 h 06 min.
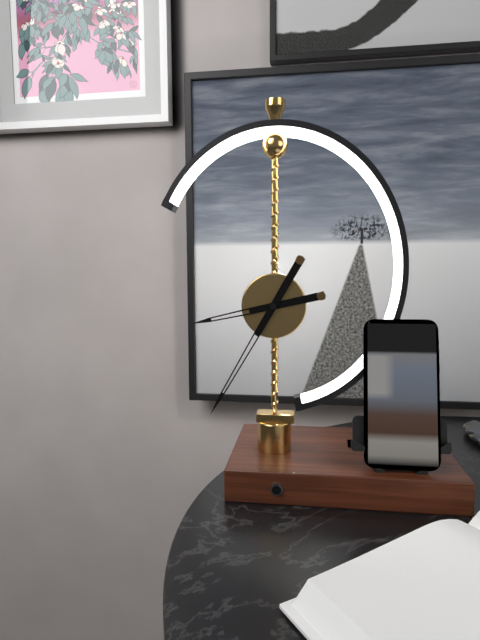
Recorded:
8 h 35 min
